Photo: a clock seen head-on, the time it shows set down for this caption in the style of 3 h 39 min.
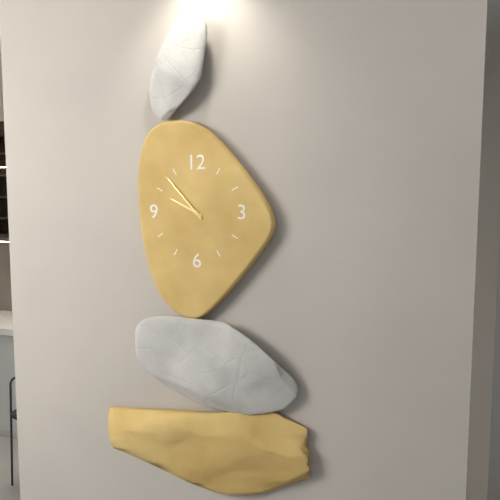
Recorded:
9 h 53 min
